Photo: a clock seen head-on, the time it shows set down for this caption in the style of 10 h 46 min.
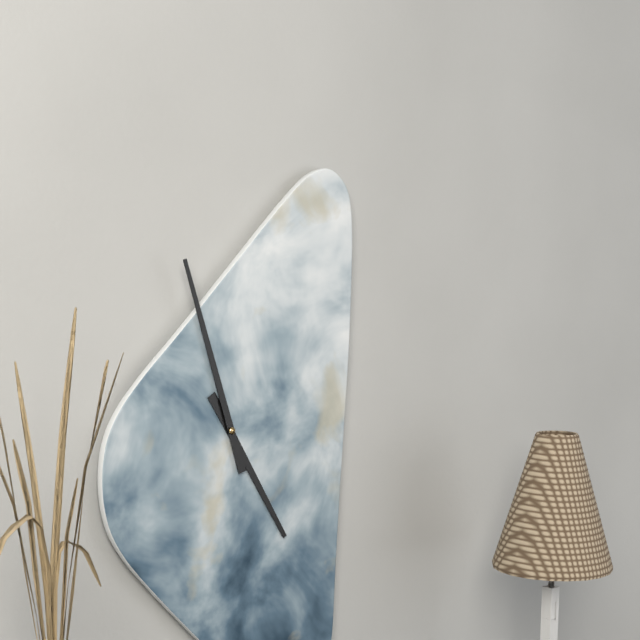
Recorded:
4 h 57 min
